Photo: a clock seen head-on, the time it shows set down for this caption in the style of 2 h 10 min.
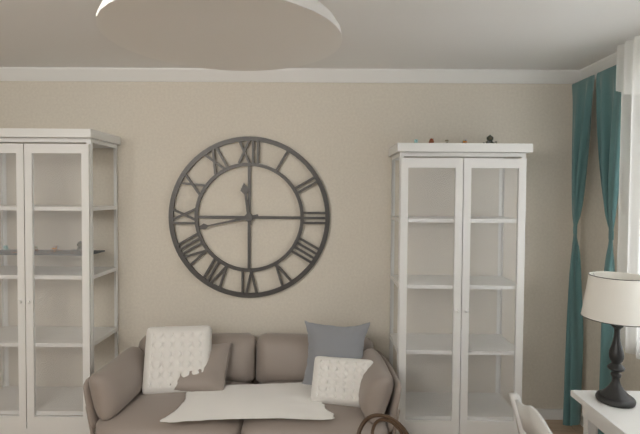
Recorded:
11 h 43 min
